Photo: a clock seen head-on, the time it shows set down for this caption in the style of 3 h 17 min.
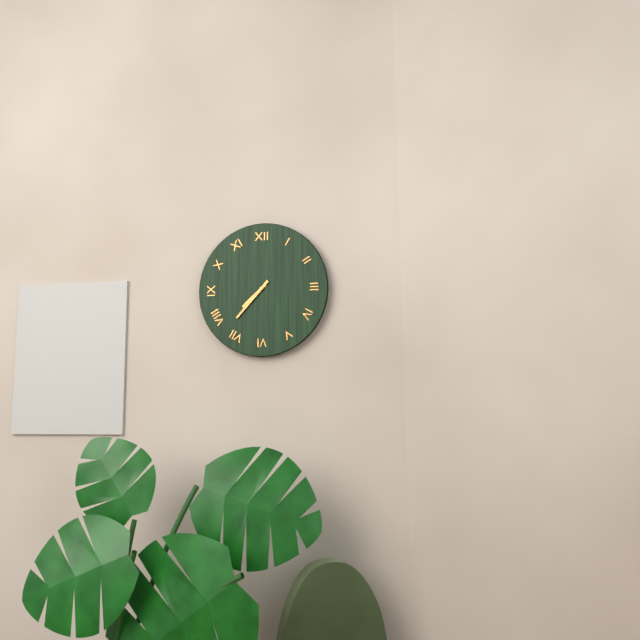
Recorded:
7 h 37 min
